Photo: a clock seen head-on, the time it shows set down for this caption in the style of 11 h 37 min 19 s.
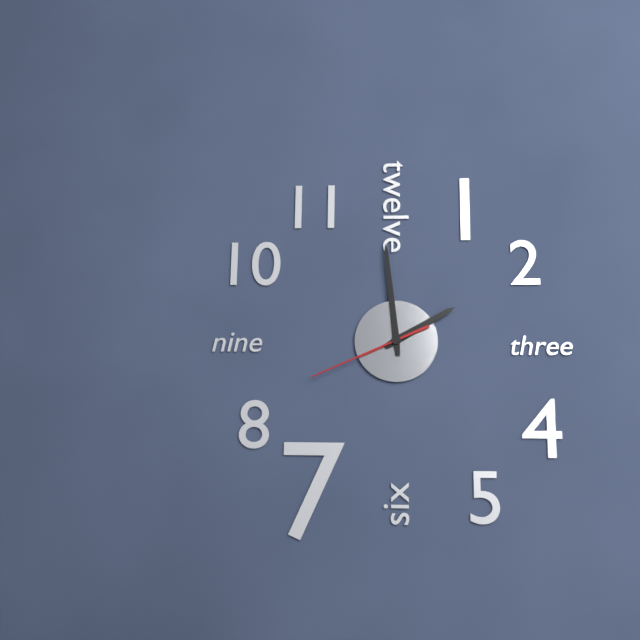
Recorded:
1 h 59 min 41 s
